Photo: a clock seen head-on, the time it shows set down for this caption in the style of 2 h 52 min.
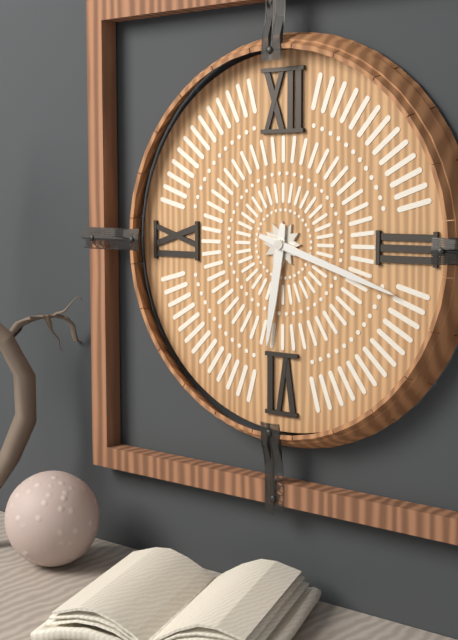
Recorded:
6 h 18 min
